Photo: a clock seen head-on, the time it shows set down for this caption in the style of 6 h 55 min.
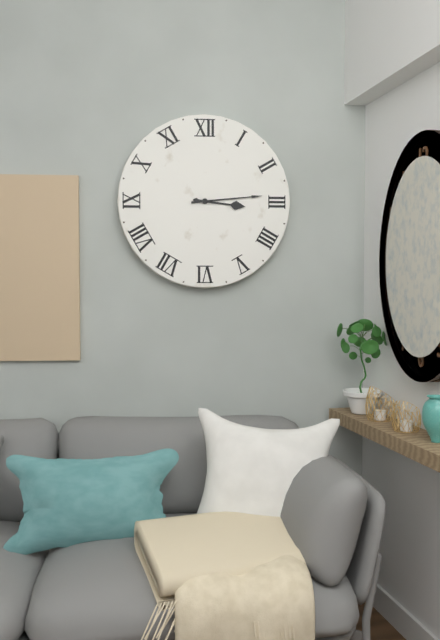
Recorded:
3 h 14 min
